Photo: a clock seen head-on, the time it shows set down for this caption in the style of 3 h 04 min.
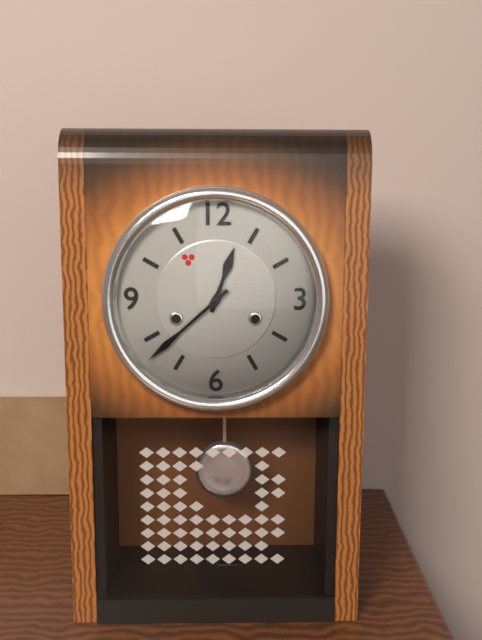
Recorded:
12 h 38 min
